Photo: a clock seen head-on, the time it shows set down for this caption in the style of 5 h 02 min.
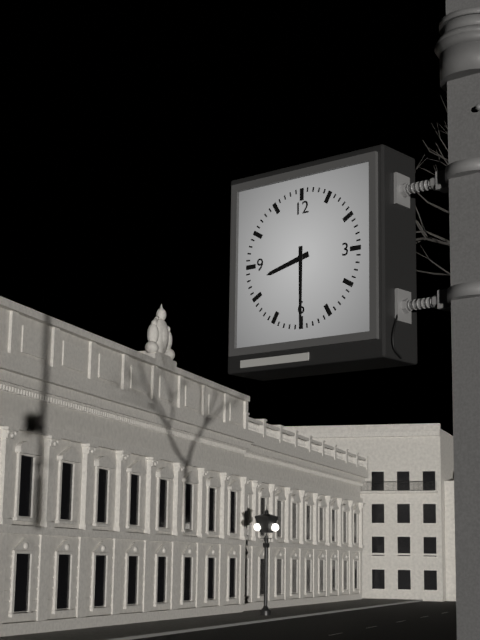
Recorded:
8 h 30 min
